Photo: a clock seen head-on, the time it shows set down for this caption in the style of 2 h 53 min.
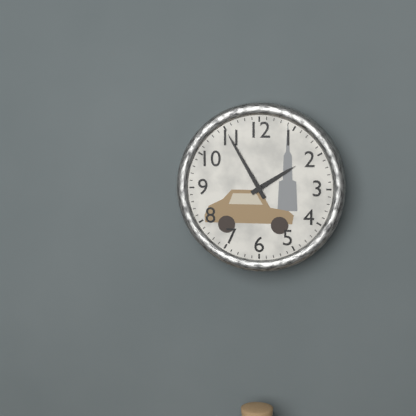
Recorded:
1 h 55 min
